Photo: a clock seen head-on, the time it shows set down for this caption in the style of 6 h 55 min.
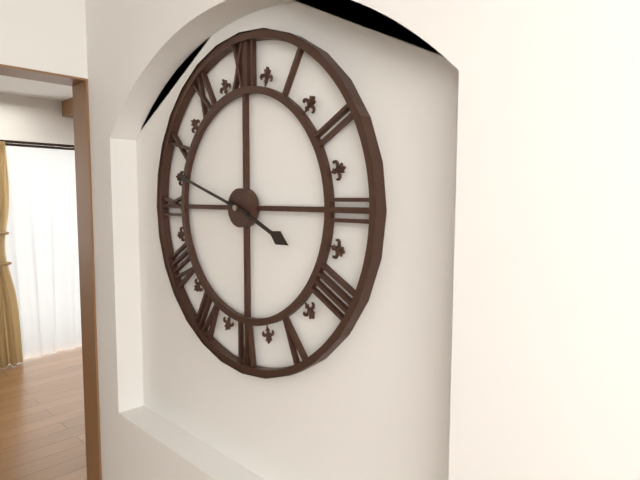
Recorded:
3 h 48 min
